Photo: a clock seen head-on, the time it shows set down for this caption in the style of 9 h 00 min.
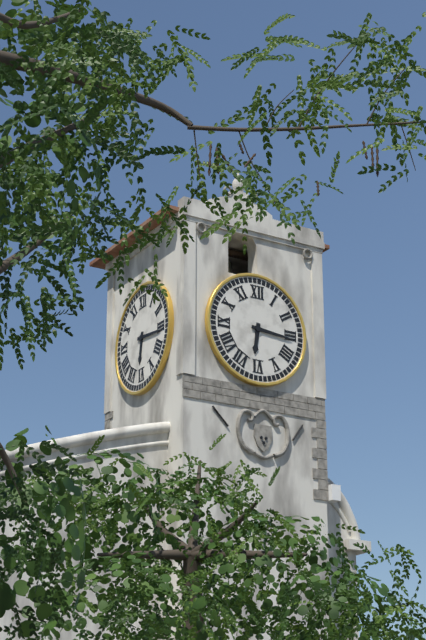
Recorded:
6 h 16 min
